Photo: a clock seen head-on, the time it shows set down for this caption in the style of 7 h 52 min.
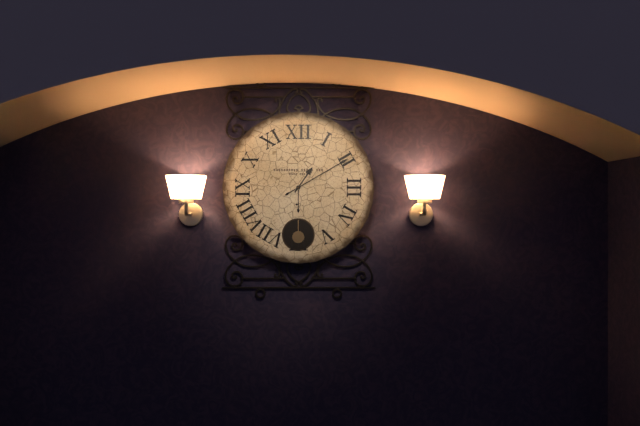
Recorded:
1 h 10 min
